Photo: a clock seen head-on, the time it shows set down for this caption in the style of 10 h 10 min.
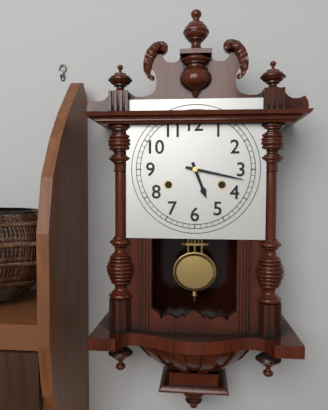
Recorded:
5 h 17 min
